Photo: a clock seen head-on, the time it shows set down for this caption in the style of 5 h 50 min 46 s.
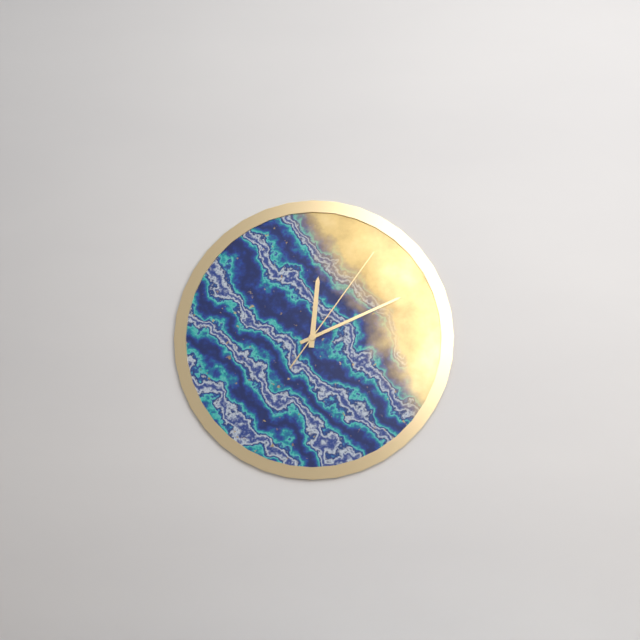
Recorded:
12 h 11 min 06 s
